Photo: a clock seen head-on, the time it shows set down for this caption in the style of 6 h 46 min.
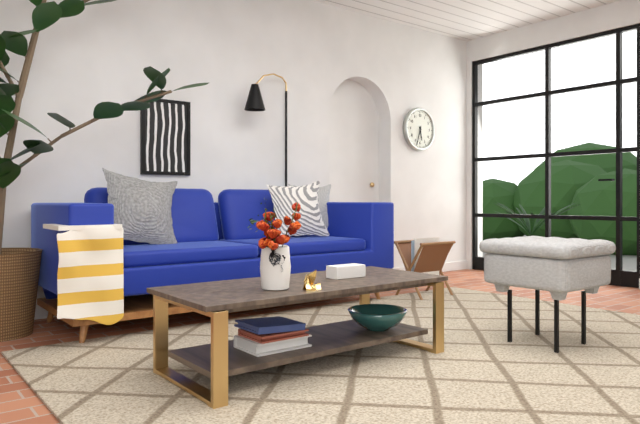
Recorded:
5 h 33 min
